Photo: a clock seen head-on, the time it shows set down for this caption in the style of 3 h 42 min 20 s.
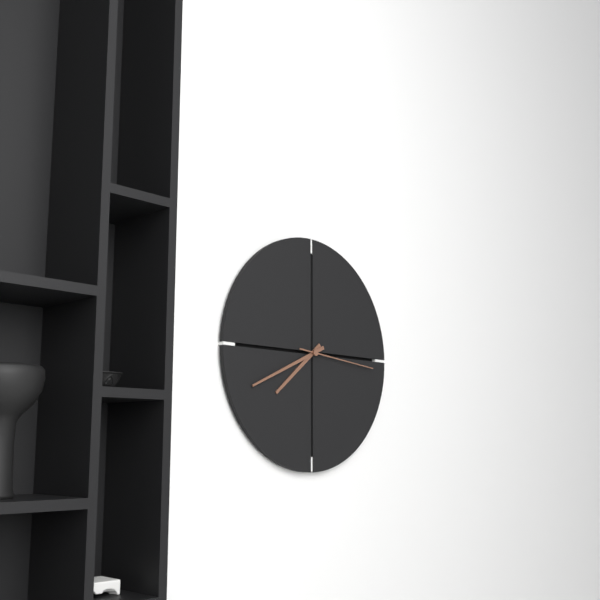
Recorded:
7 h 41 min 16 s
